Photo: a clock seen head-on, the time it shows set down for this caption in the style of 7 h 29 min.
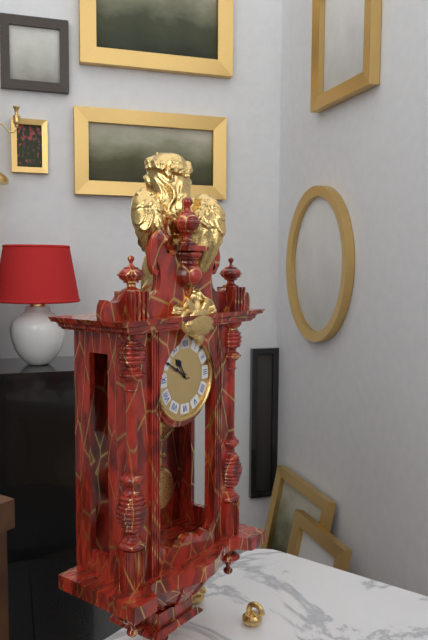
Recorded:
10 h 50 min
